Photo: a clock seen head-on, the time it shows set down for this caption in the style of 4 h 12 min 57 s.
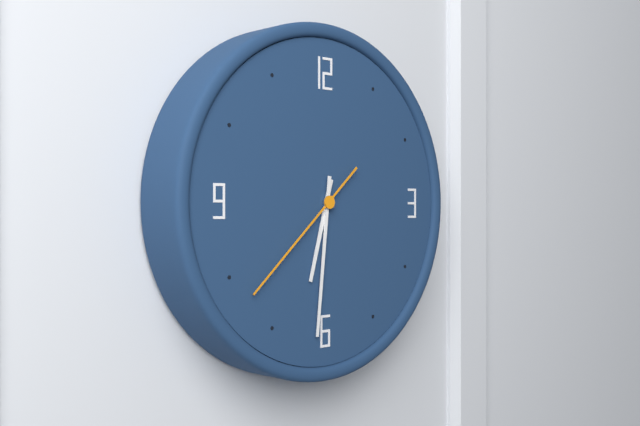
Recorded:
6 h 31 min 38 s
